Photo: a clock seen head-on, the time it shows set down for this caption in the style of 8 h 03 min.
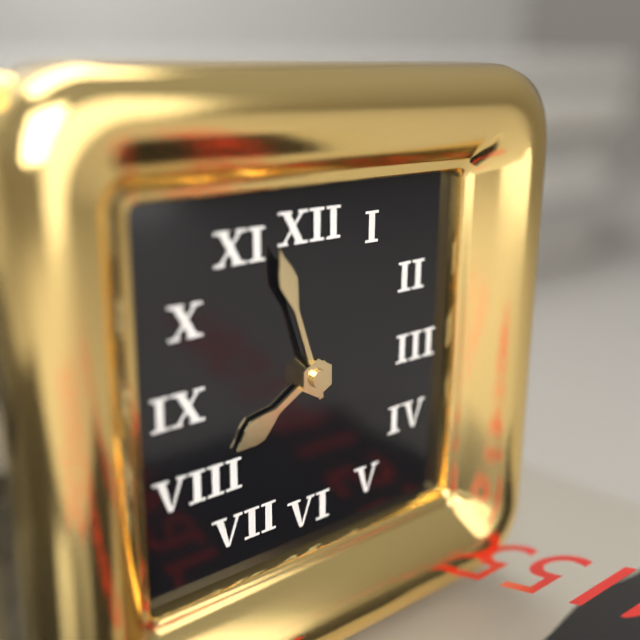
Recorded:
7 h 57 min
